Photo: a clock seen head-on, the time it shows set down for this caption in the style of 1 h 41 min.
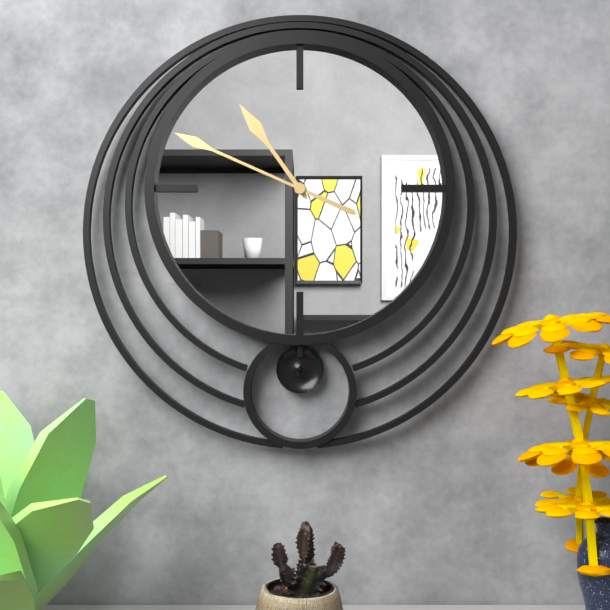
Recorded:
10 h 49 min
